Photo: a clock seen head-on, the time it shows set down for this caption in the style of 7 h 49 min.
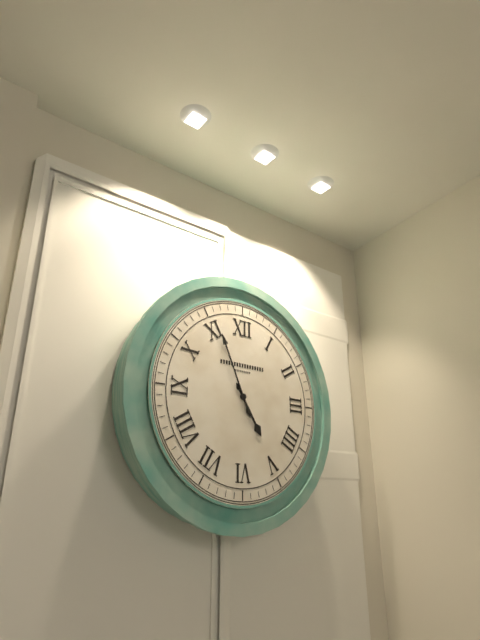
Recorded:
4 h 56 min
